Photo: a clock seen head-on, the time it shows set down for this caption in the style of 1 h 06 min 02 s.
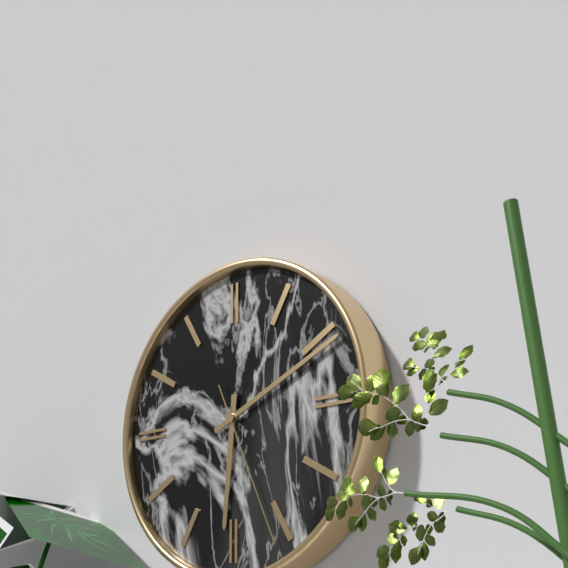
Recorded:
6 h 11 min 26 s
